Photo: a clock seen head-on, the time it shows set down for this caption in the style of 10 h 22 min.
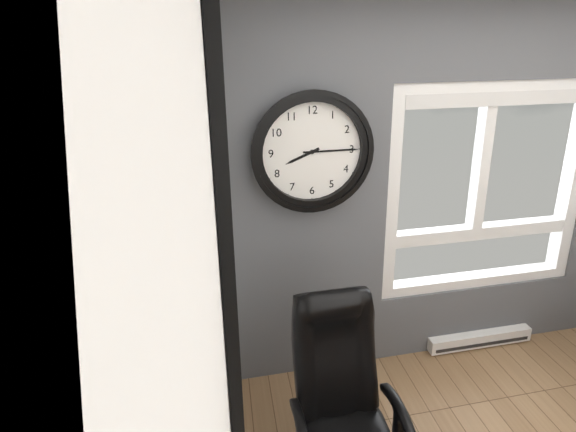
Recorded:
8 h 15 min
